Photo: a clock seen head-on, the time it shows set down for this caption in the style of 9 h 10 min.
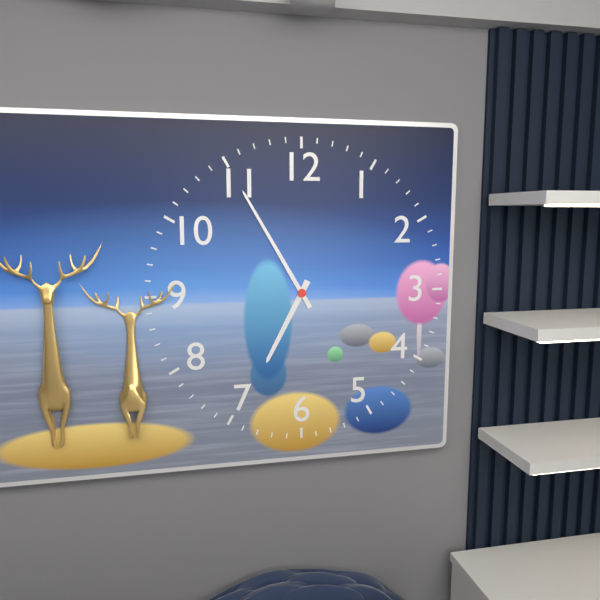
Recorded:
6 h 55 min
